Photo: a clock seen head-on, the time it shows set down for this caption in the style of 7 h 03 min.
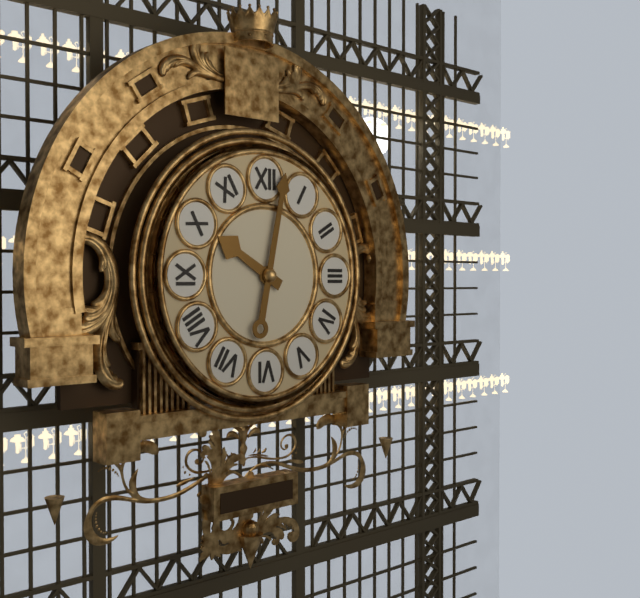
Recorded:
10 h 02 min
